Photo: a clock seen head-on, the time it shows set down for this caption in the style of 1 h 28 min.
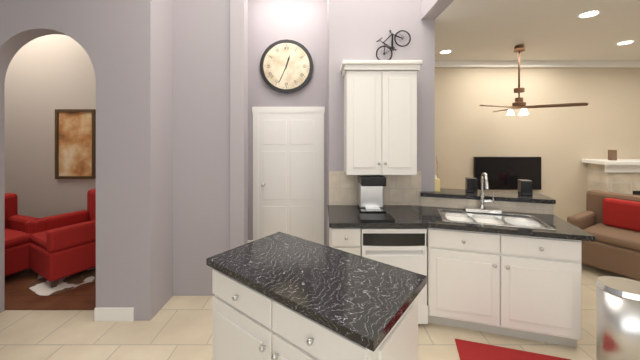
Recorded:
12 h 34 min
